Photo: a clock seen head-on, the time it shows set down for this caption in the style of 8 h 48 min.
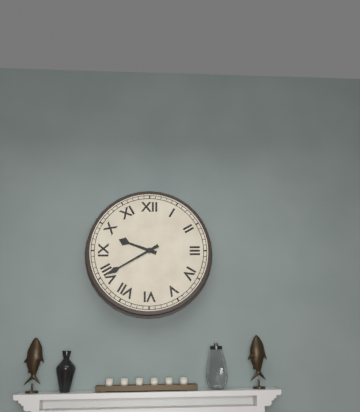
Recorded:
9 h 40 min
